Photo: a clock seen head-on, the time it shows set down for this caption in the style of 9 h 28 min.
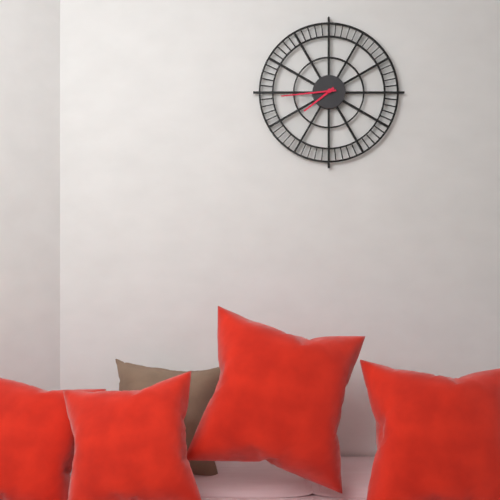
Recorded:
7 h 44 min
